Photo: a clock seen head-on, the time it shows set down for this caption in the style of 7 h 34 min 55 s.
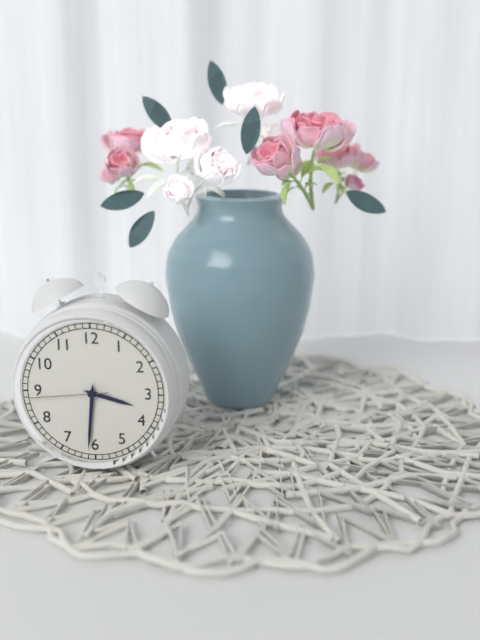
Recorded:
3 h 31 min 44 s
